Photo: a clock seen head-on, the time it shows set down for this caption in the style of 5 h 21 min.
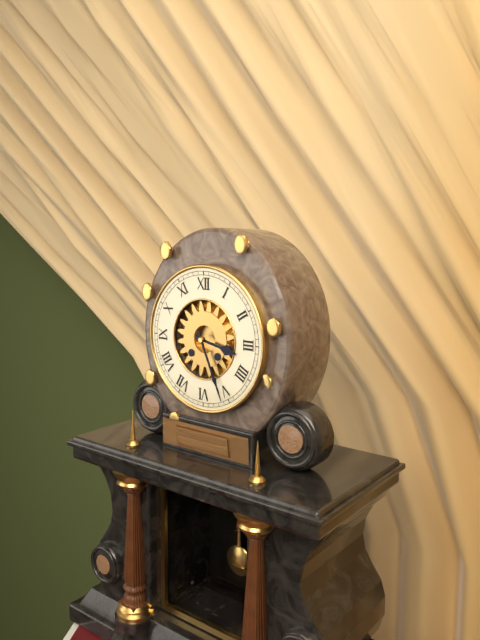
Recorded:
3 h 26 min
